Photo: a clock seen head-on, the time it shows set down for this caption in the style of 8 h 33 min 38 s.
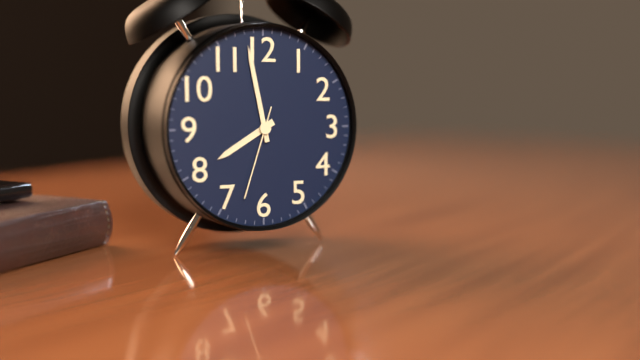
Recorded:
7 h 58 min 33 s
